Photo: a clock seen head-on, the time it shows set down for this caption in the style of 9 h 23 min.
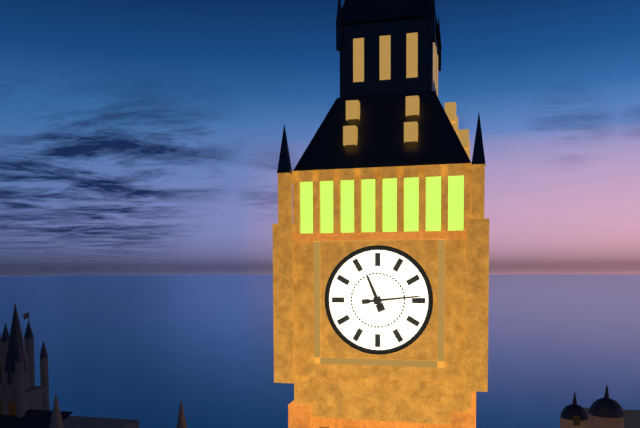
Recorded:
11 h 14 min
